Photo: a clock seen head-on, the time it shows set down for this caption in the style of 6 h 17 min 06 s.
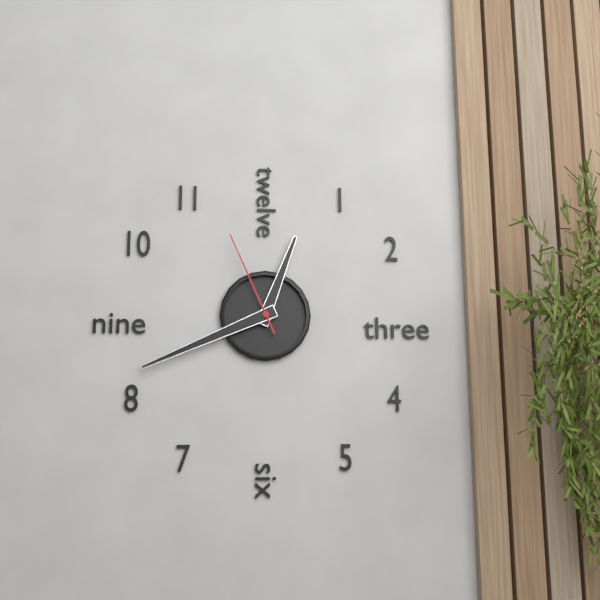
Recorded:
12 h 41 min 56 s
